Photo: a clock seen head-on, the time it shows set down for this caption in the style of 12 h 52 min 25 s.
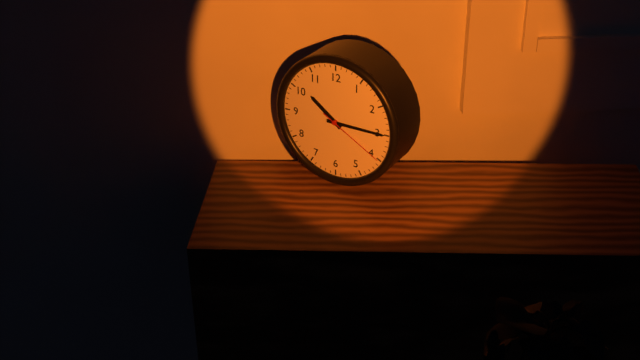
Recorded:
10 h 15 min 20 s
